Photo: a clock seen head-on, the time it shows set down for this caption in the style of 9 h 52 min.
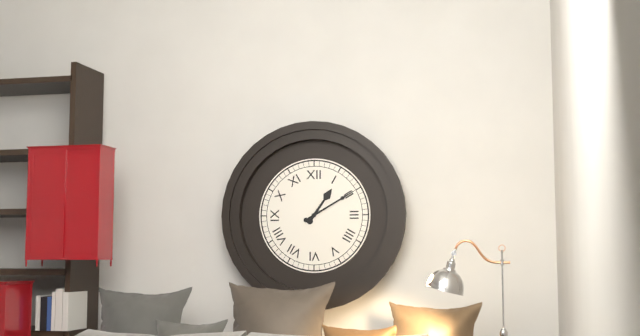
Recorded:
1 h 10 min
